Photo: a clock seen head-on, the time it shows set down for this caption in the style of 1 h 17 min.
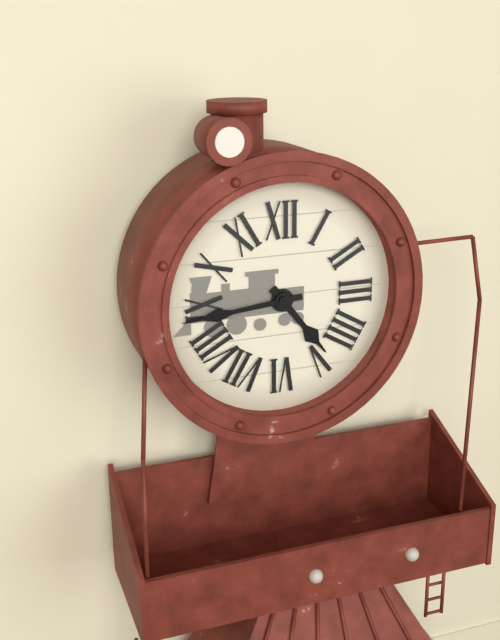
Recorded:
4 h 44 min
